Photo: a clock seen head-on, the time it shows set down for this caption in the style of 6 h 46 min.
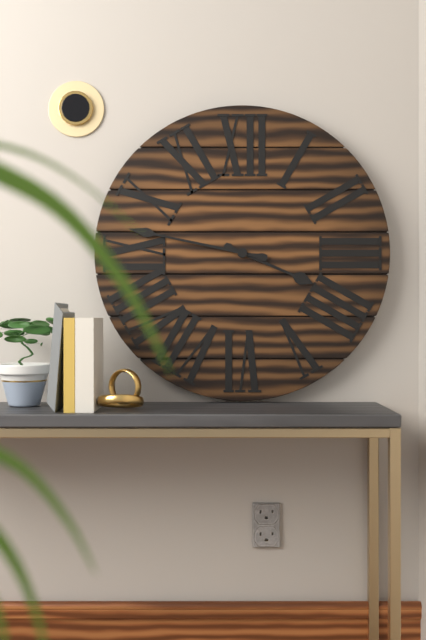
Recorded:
3 h 47 min
